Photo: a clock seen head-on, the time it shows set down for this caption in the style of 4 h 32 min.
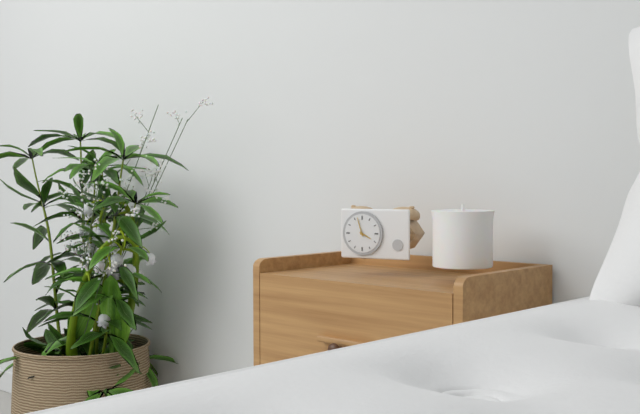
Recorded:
3 h 57 min
